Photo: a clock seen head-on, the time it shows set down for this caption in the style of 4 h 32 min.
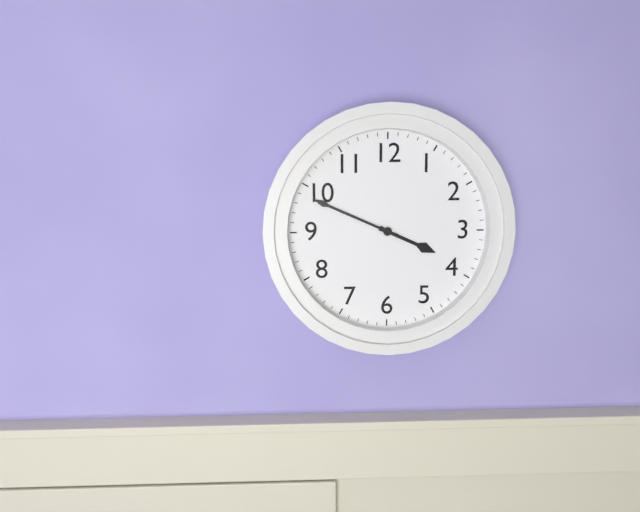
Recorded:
3 h 49 min
